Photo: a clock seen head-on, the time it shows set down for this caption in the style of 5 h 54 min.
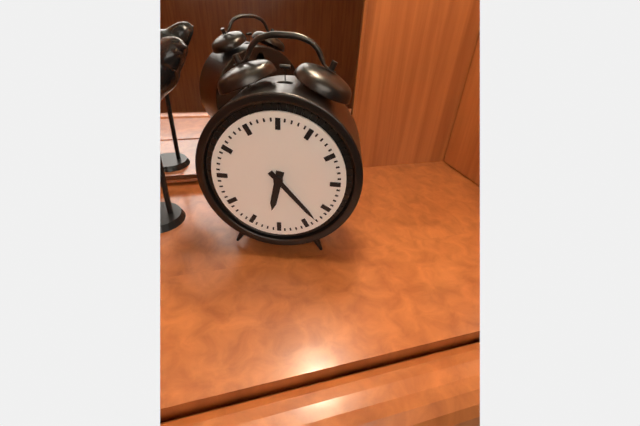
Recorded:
6 h 23 min
